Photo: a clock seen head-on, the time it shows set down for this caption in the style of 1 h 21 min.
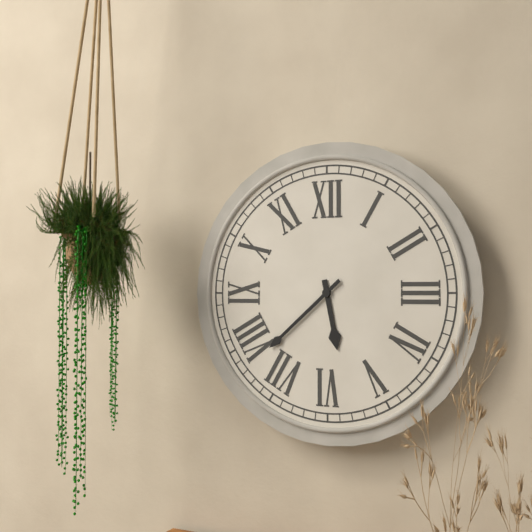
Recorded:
5 h 38 min
